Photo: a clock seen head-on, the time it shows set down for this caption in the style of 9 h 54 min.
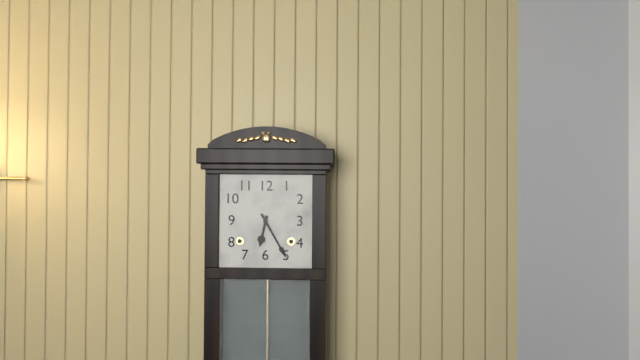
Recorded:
6 h 25 min
